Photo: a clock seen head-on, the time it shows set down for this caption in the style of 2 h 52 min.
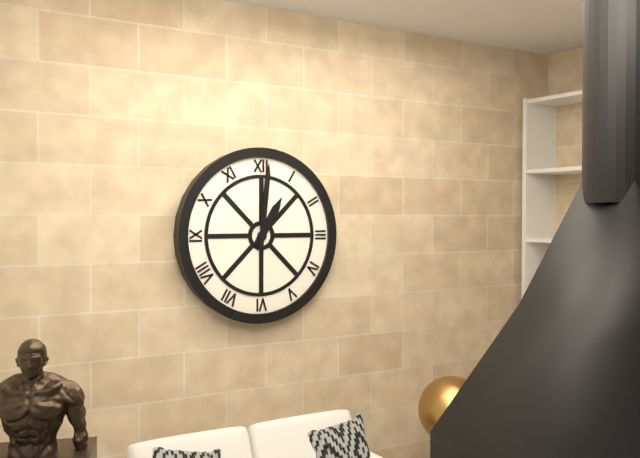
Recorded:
1 h 01 min
